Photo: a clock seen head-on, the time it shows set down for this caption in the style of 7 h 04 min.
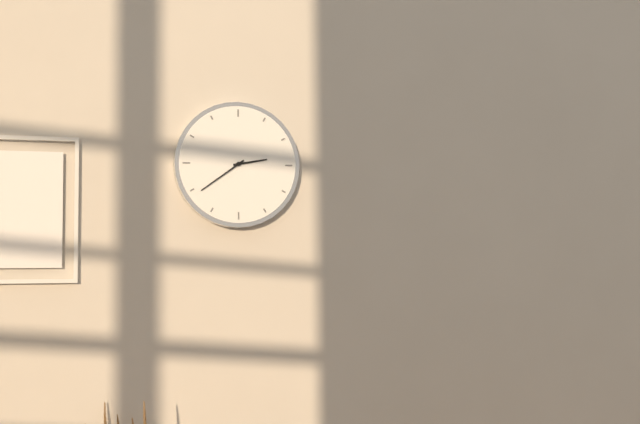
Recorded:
2 h 39 min
